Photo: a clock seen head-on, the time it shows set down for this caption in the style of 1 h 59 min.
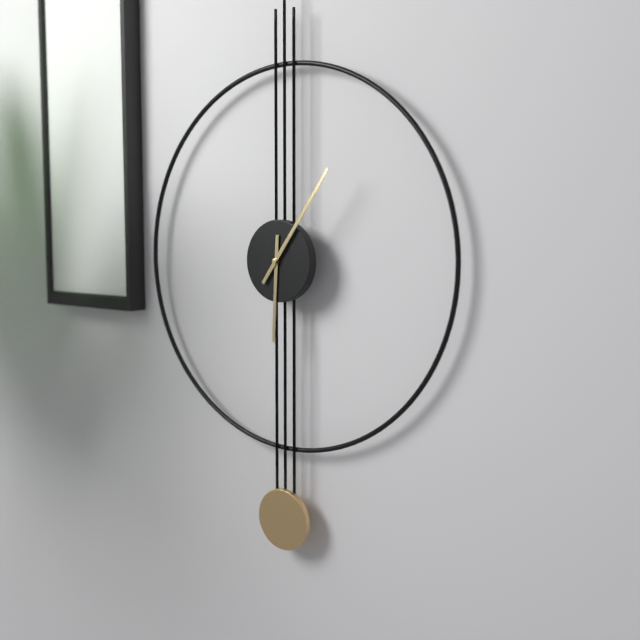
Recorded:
6 h 06 min
